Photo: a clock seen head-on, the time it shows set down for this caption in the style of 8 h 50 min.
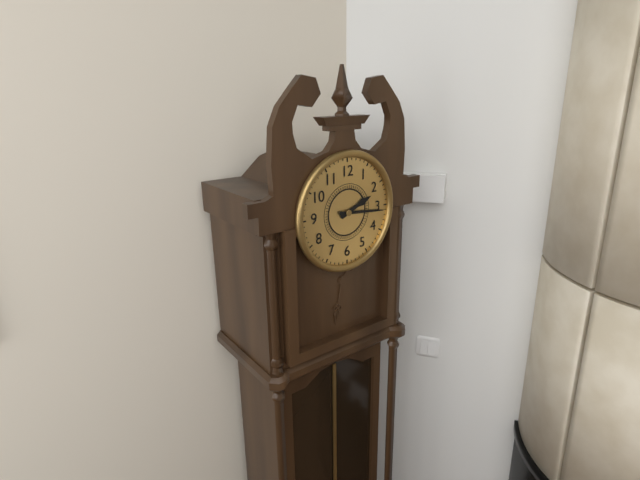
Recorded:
2 h 16 min
